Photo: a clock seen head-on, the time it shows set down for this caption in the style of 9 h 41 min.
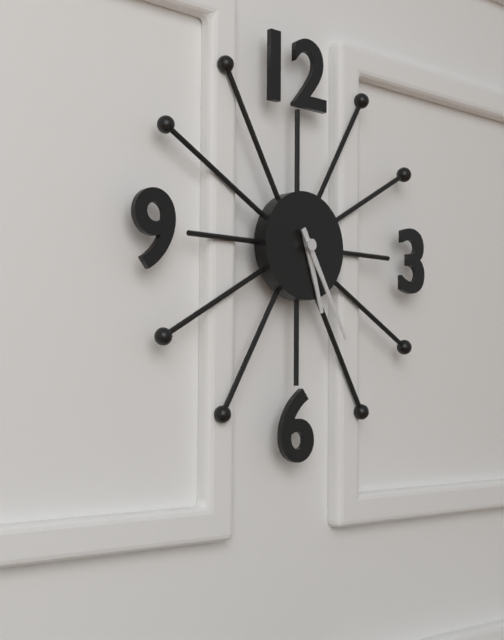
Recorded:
5 h 25 min
